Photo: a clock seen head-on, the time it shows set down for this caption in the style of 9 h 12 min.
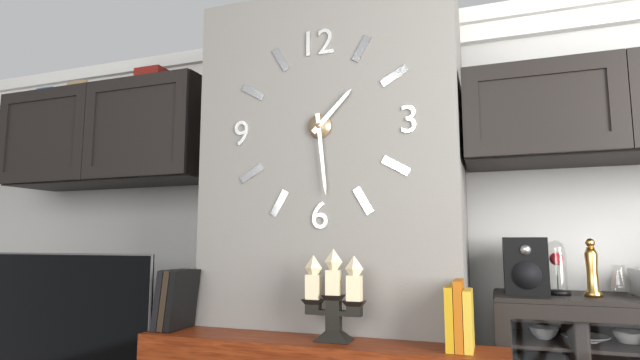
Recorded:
1 h 29 min
